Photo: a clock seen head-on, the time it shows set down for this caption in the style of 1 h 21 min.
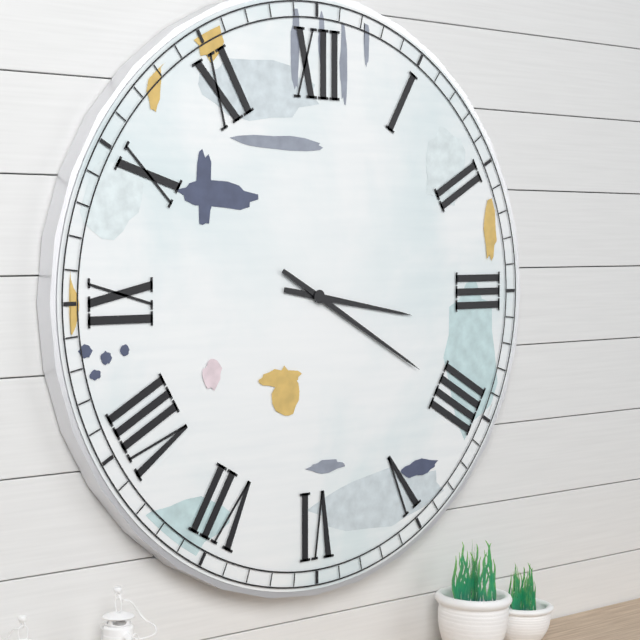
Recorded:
3 h 20 min
